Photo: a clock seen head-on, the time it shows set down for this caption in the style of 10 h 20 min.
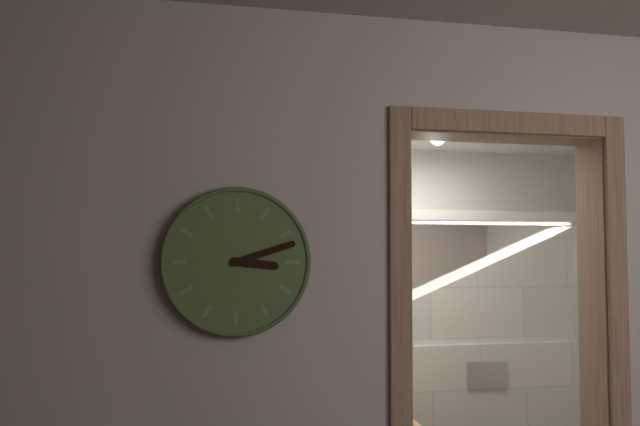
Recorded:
3 h 12 min
